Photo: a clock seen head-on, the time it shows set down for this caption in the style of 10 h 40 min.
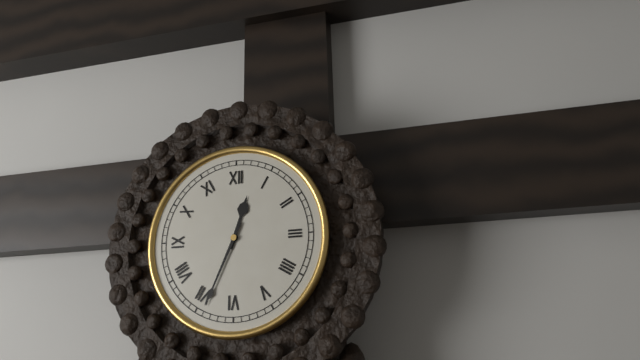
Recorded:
12 h 34 min
